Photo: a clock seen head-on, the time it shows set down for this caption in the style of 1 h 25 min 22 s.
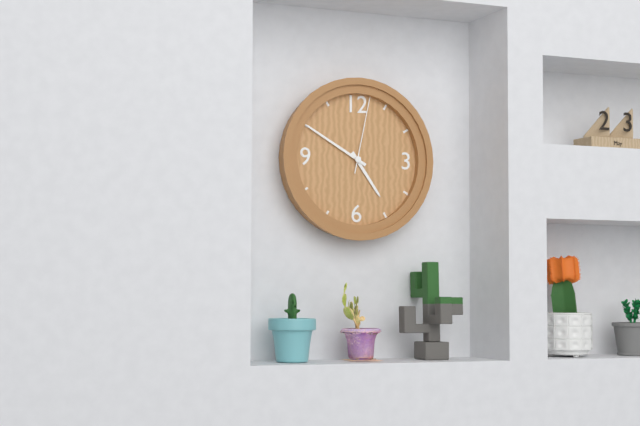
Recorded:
4 h 50 min 02 s
